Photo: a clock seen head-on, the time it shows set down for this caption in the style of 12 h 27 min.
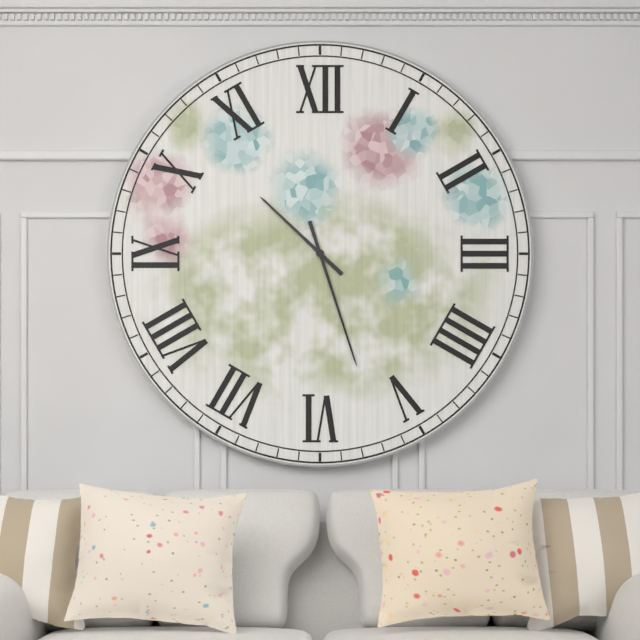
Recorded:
10 h 27 min
